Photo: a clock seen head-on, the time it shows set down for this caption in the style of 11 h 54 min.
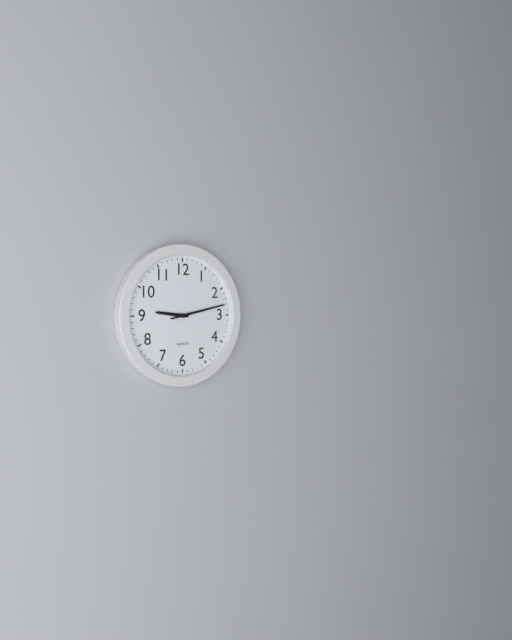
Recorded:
9 h 13 min
